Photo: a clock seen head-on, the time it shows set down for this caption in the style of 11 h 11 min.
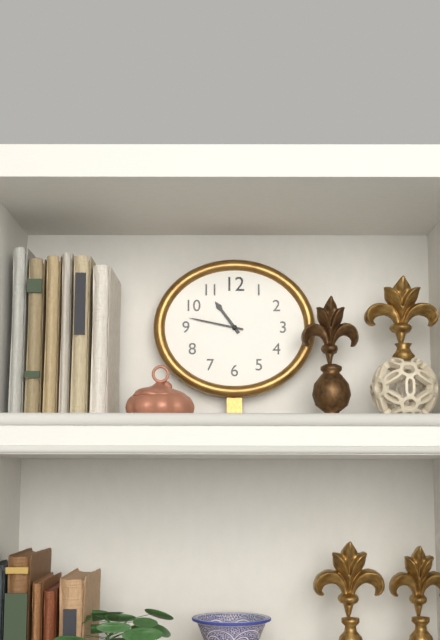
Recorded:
10 h 47 min
